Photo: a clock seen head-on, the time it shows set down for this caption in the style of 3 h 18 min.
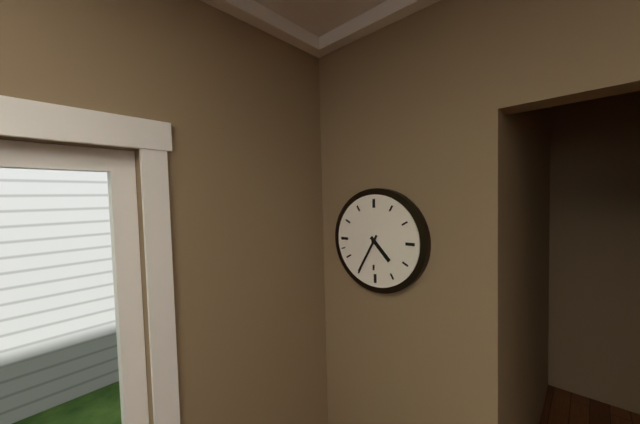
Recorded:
4 h 35 min
